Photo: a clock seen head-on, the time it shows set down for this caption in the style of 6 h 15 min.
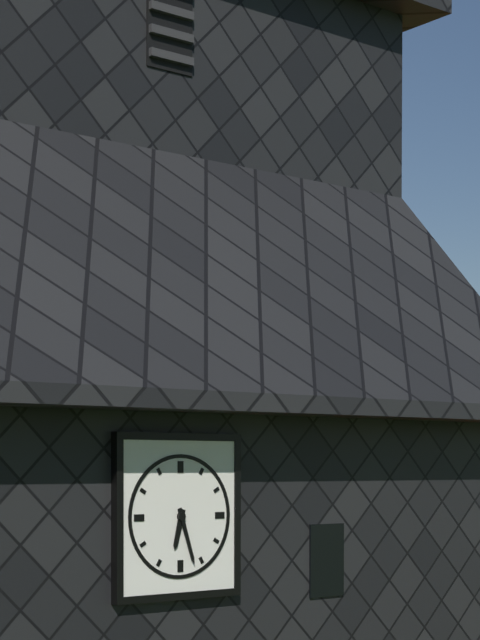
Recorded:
6 h 27 min
